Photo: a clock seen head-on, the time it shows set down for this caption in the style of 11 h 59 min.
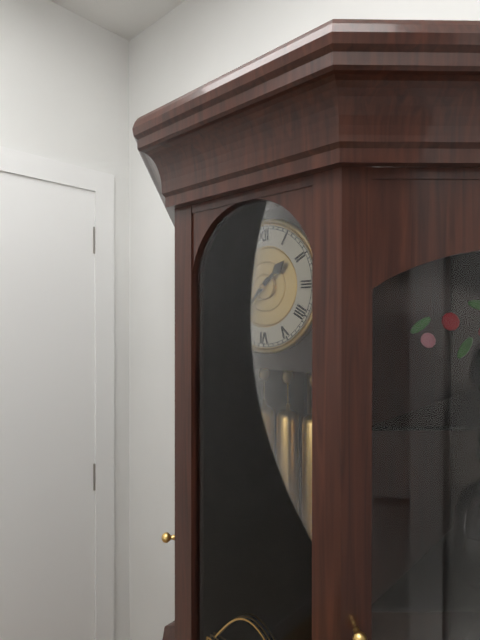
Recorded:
1 h 37 min
